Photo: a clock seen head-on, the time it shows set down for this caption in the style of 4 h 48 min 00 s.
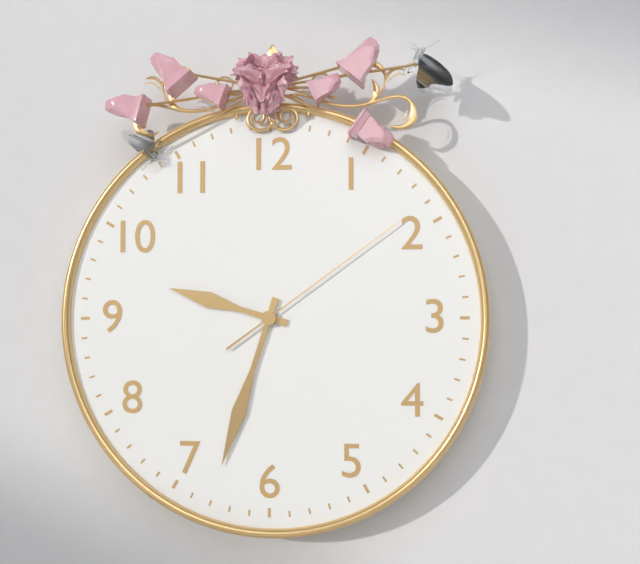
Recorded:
9 h 33 min 09 s
